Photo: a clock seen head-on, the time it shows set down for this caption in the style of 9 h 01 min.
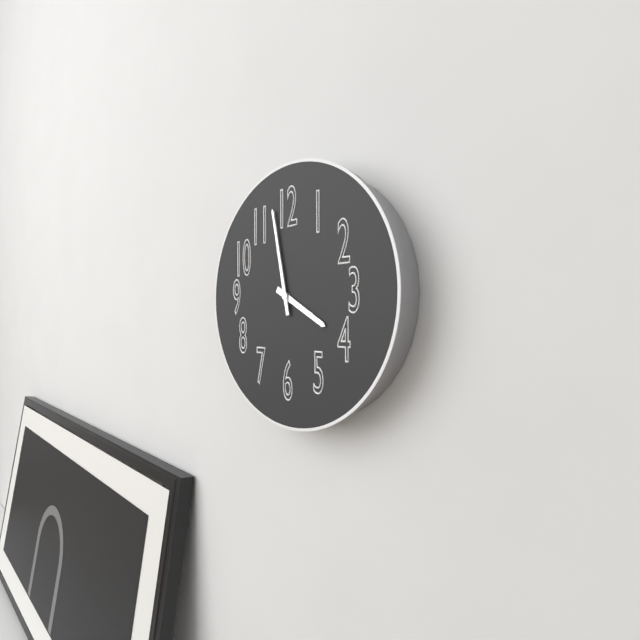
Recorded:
3 h 58 min
